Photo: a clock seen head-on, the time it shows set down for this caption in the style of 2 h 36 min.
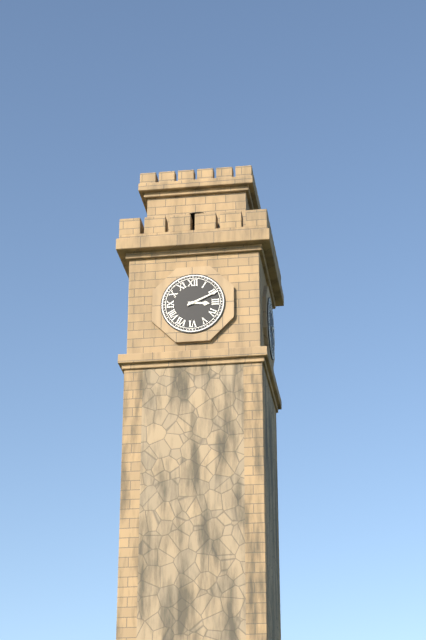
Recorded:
3 h 11 min
